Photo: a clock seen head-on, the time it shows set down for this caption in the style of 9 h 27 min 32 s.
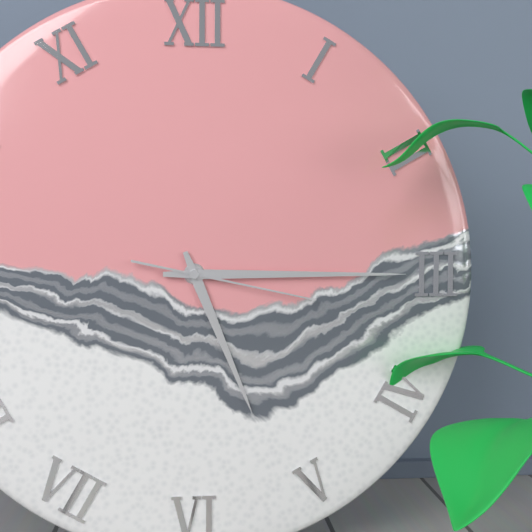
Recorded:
5 h 15 min 17 s
